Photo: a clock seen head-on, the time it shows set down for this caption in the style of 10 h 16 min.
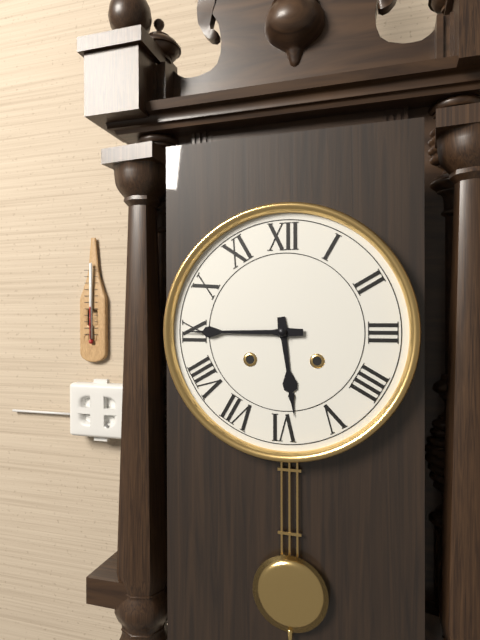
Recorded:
5 h 45 min
